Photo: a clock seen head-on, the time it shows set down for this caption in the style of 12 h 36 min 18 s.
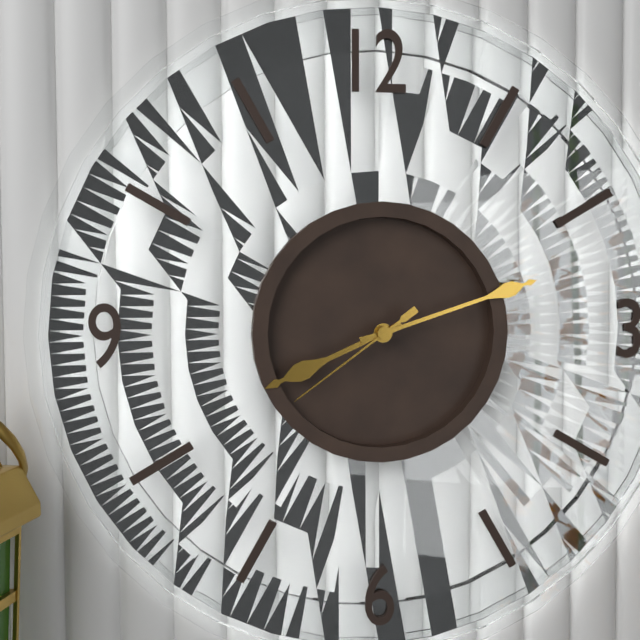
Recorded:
8 h 12 min 39 s
